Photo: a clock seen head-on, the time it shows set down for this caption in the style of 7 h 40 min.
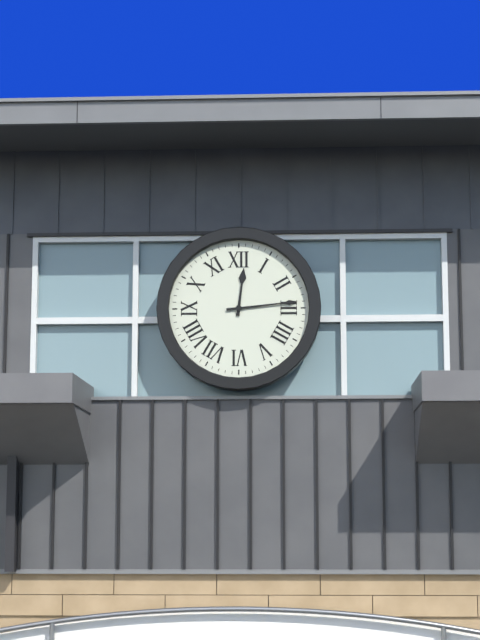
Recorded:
12 h 14 min
